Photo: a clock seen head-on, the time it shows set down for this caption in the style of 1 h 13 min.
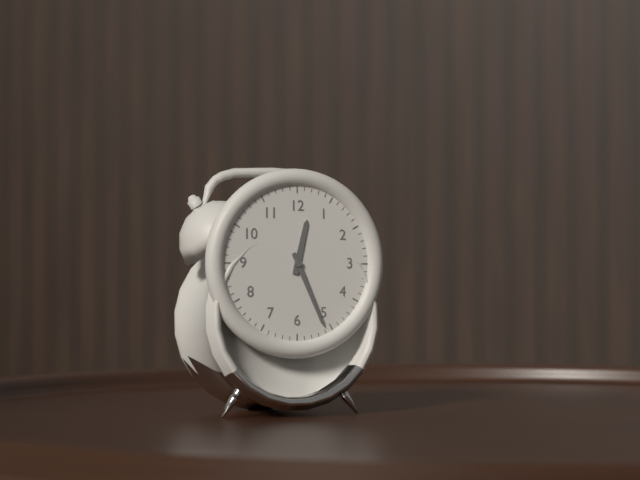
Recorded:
12 h 26 min
